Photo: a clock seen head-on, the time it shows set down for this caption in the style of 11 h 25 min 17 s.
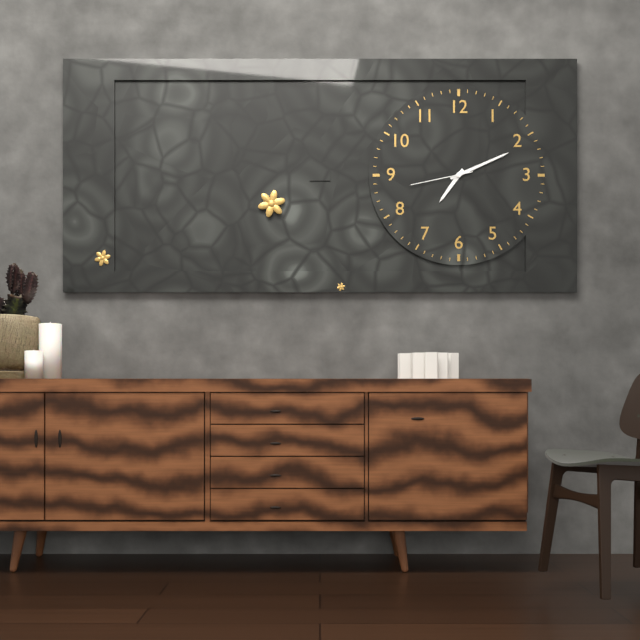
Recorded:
7 h 11 min 43 s
